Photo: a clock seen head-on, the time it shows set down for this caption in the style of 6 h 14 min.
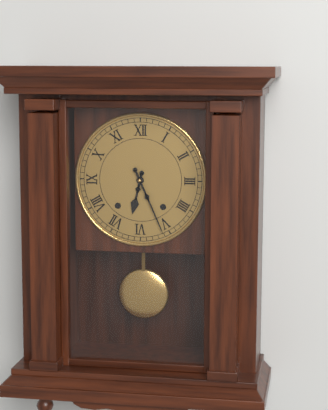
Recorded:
6 h 26 min
